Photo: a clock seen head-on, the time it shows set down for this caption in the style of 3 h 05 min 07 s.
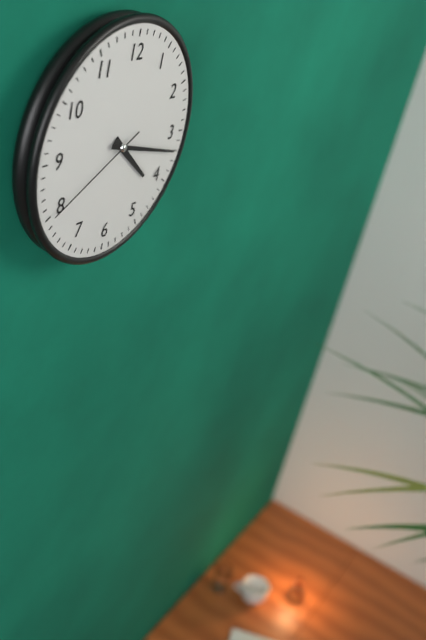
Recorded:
4 h 17 min 40 s
